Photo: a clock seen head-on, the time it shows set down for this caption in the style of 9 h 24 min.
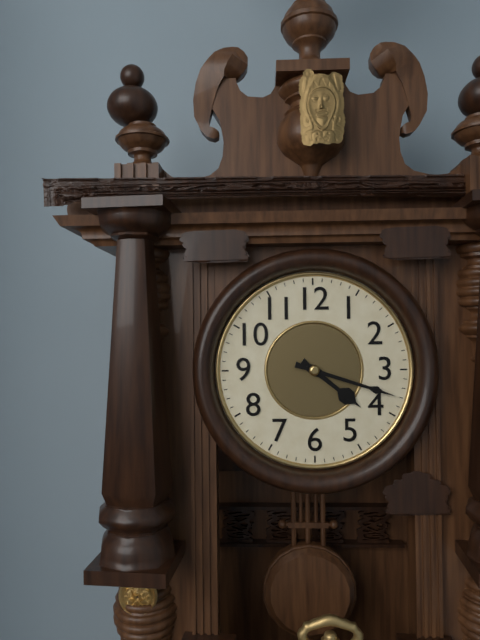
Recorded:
4 h 18 min
